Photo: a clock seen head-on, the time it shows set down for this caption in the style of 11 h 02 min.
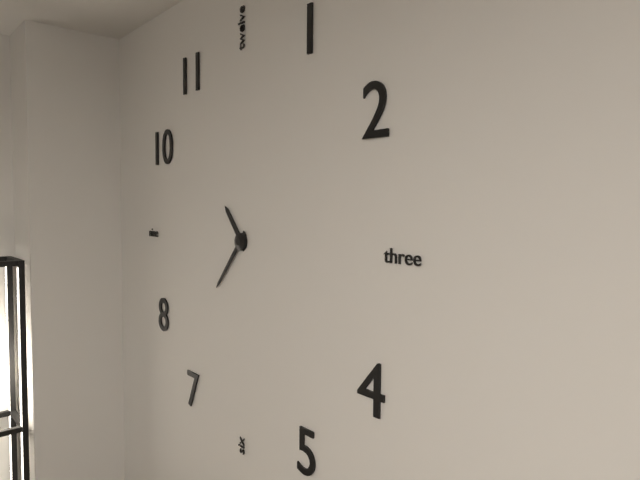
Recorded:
10 h 37 min
